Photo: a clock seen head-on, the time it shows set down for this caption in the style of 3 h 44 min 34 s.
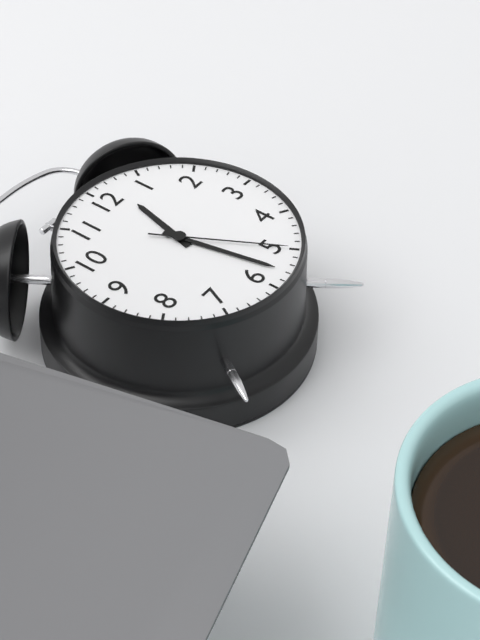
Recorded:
12 h 28 min 25 s
